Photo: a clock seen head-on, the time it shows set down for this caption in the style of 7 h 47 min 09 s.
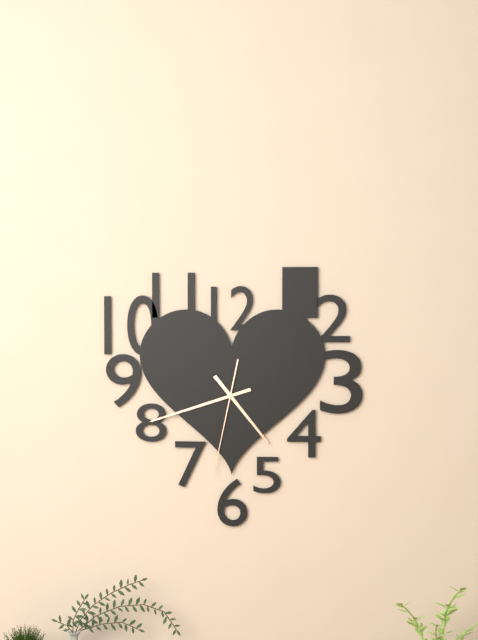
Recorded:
4 h 42 min 32 s
